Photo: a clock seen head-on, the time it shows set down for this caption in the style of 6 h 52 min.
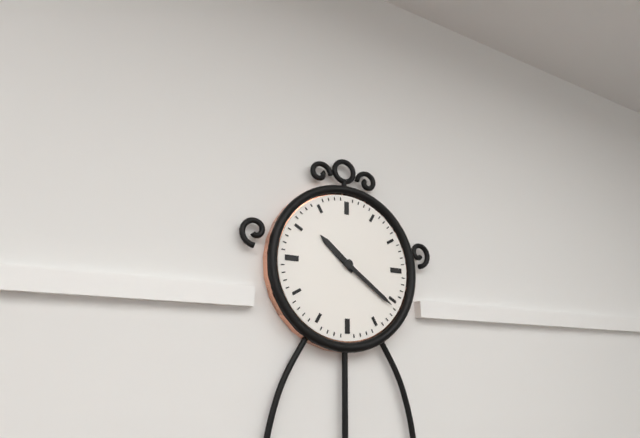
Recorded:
10 h 21 min
